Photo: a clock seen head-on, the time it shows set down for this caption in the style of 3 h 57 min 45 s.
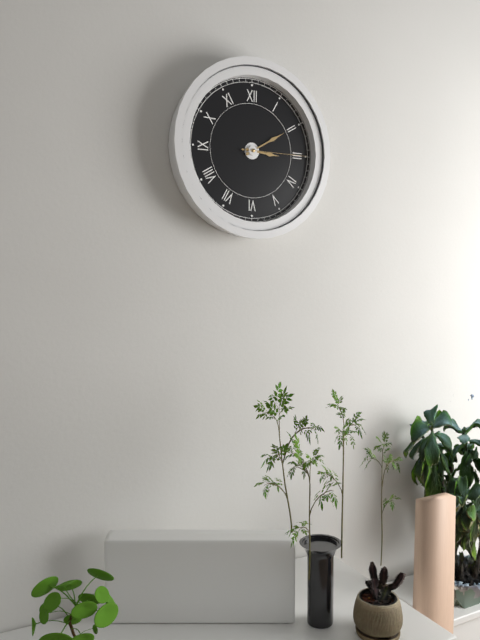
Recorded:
3 h 10 min 15 s
